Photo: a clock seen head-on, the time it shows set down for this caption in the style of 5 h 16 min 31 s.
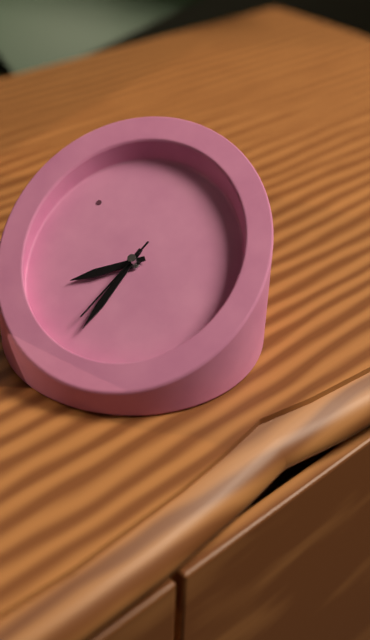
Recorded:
10 h 47 min 48 s
